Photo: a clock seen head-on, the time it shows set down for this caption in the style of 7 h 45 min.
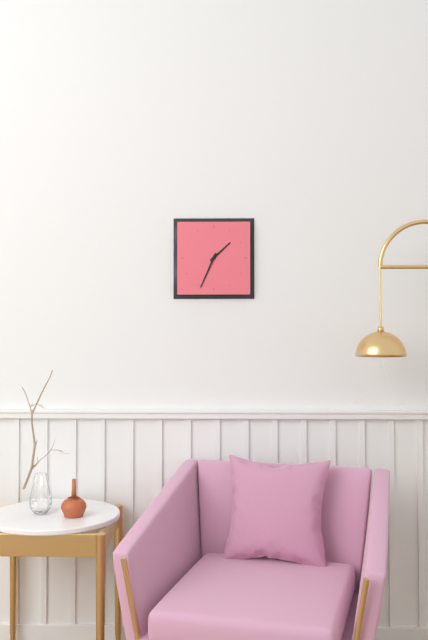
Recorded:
1 h 34 min
